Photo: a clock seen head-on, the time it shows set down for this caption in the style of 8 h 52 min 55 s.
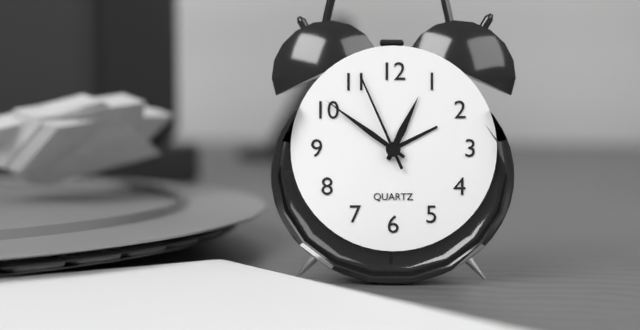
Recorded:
12 h 51 min 56 s
